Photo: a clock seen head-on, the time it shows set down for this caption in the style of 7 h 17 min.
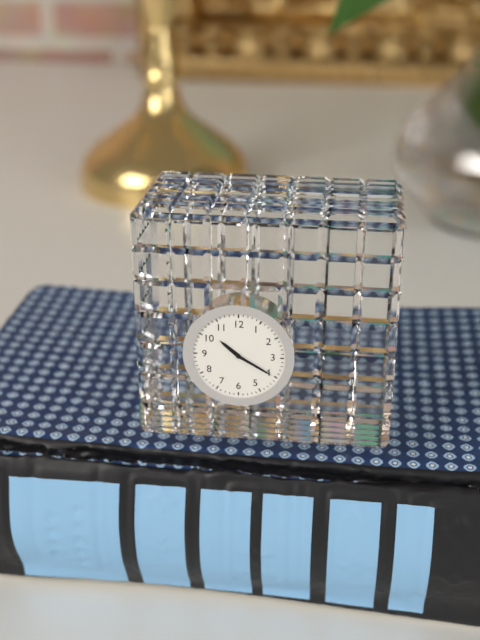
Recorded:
10 h 20 min
